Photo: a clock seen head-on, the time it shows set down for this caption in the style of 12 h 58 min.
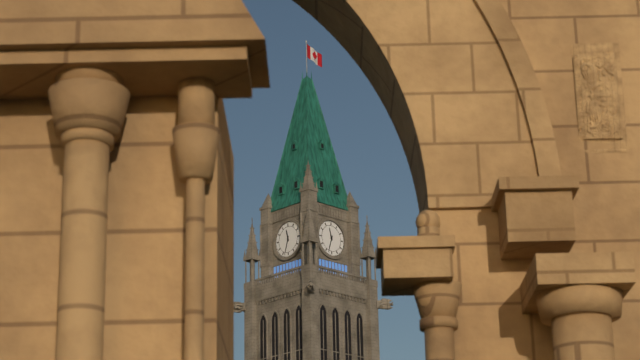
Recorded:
11 h 33 min
